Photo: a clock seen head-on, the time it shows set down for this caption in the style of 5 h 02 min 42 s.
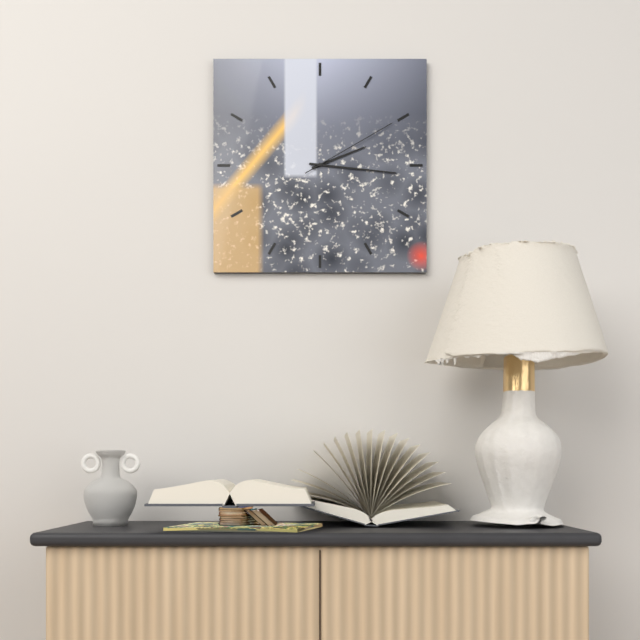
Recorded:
2 h 16 min 10 s
